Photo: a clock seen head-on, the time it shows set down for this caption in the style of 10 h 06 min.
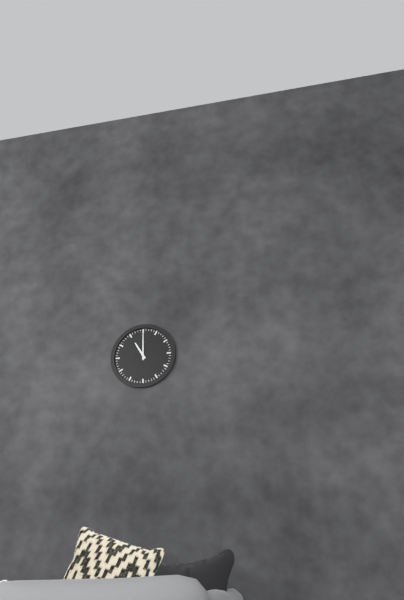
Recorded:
11 h 00 min
